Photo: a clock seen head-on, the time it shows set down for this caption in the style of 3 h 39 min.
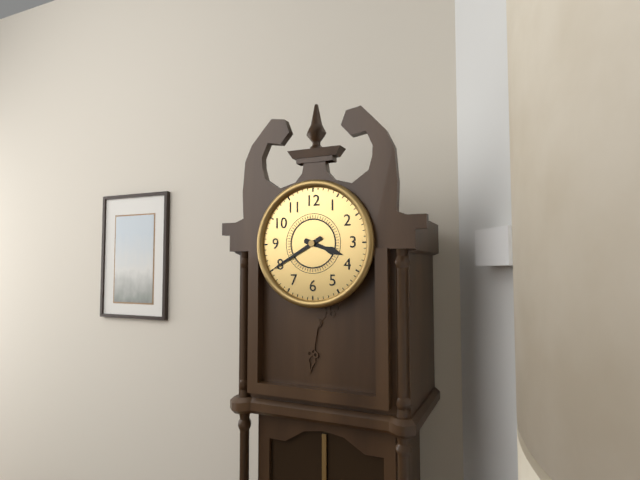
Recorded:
3 h 40 min
